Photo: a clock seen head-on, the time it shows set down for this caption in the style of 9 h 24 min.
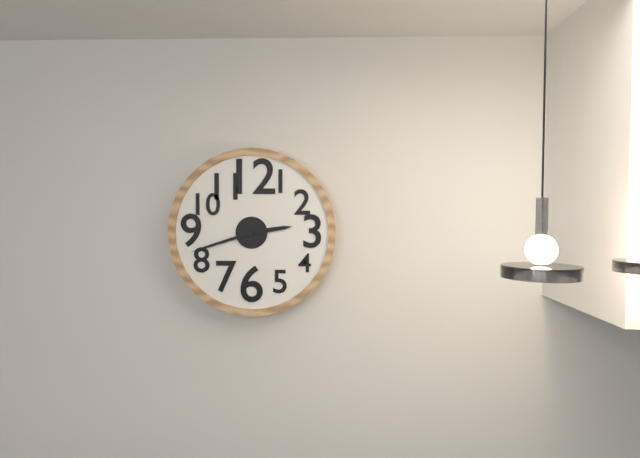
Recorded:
2 h 42 min
